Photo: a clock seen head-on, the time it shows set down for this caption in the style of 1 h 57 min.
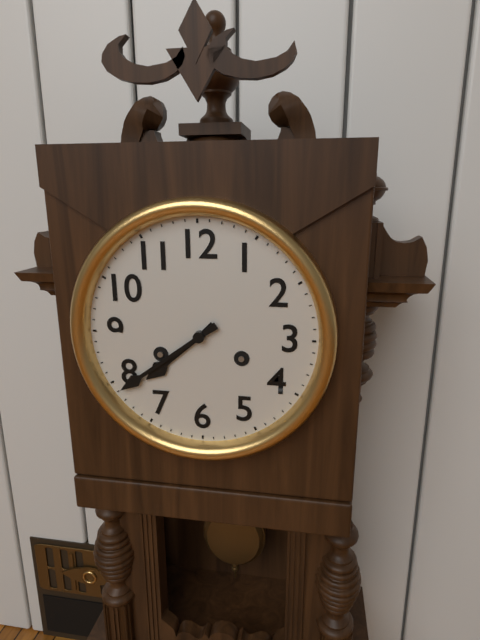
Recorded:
7 h 39 min
